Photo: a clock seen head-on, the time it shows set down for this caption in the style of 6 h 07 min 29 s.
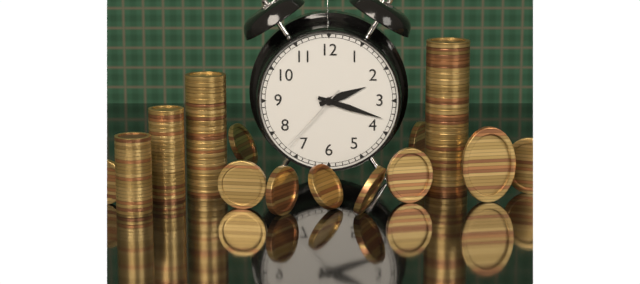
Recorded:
2 h 18 min 37 s
